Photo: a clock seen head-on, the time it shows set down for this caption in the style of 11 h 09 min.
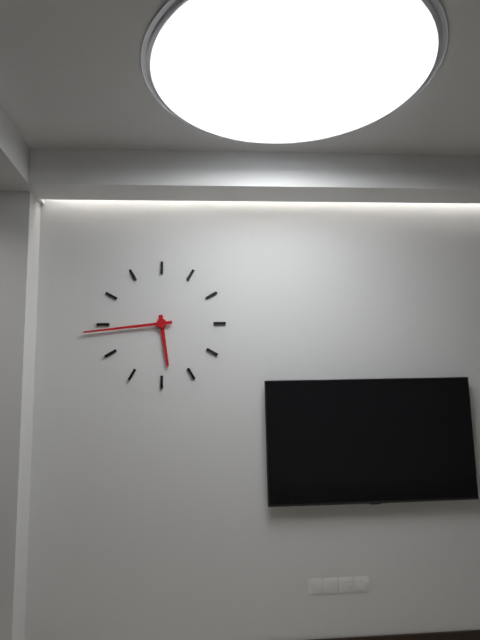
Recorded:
5 h 44 min
